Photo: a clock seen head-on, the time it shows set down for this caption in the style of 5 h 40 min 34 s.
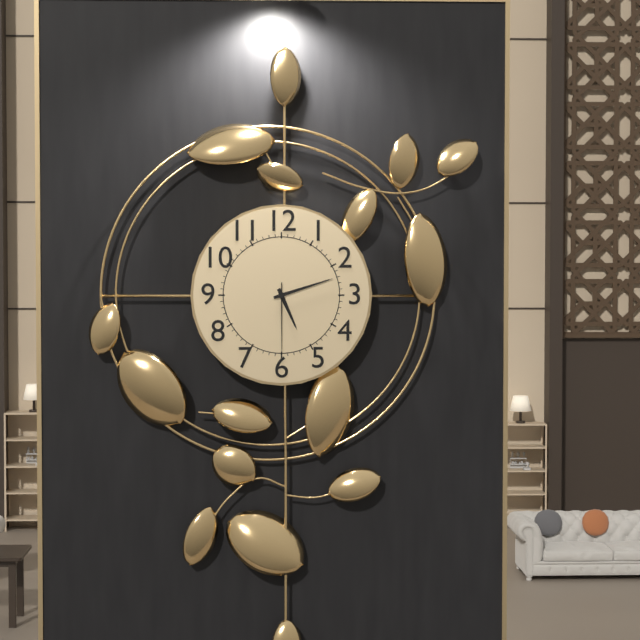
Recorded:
5 h 12 min 30 s
